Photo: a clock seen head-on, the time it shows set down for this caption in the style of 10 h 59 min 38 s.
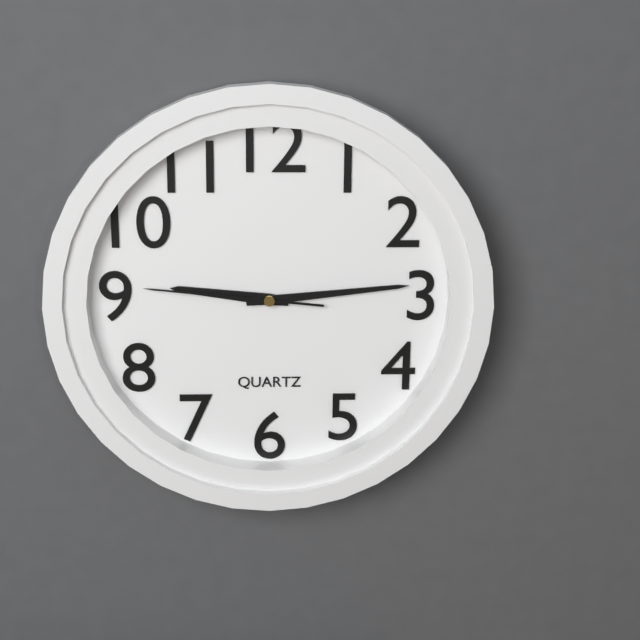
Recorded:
9 h 14 min 46 s
